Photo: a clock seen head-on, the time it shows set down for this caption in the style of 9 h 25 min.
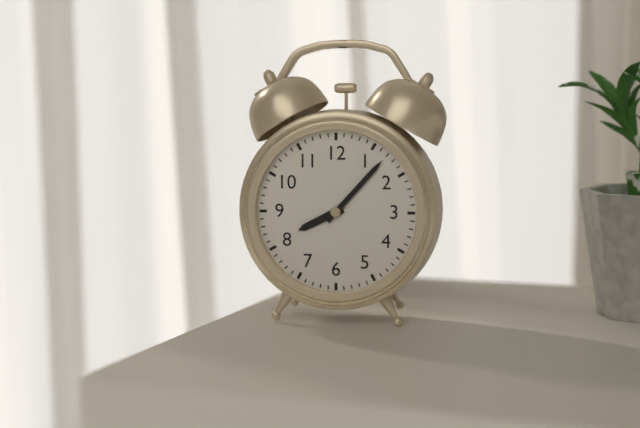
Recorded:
8 h 07 min
